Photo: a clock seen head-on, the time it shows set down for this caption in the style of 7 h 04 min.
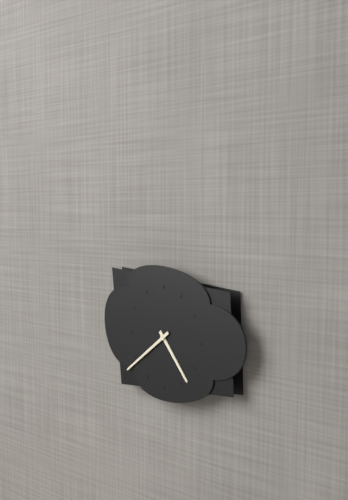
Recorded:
4 h 39 min
